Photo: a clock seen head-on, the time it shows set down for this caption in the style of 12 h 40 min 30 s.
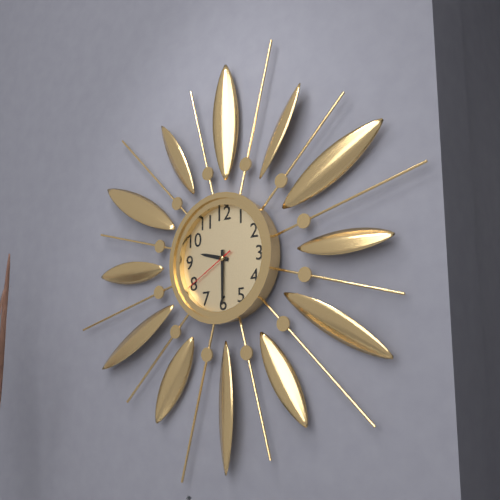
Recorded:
9 h 30 min 40 s
